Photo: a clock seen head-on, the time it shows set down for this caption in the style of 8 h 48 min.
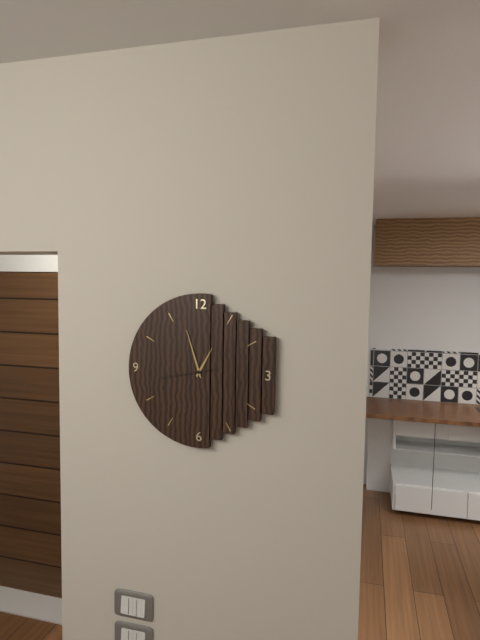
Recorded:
12 h 57 min
